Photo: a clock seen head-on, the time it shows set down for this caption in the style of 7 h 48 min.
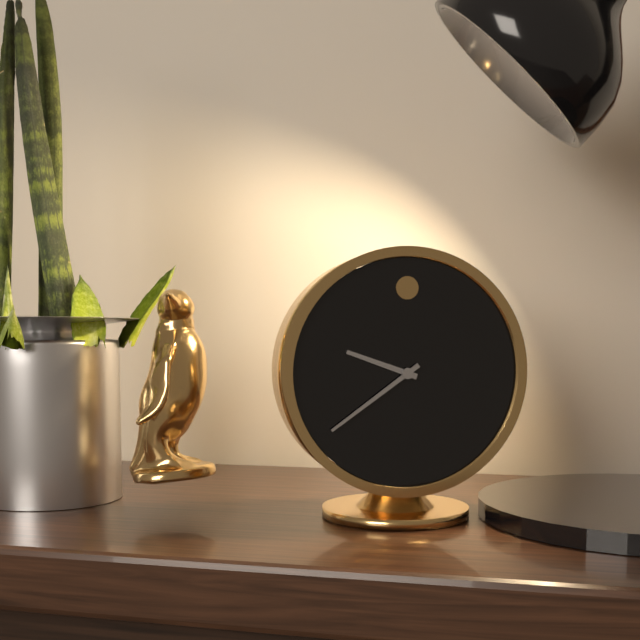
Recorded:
9 h 39 min
